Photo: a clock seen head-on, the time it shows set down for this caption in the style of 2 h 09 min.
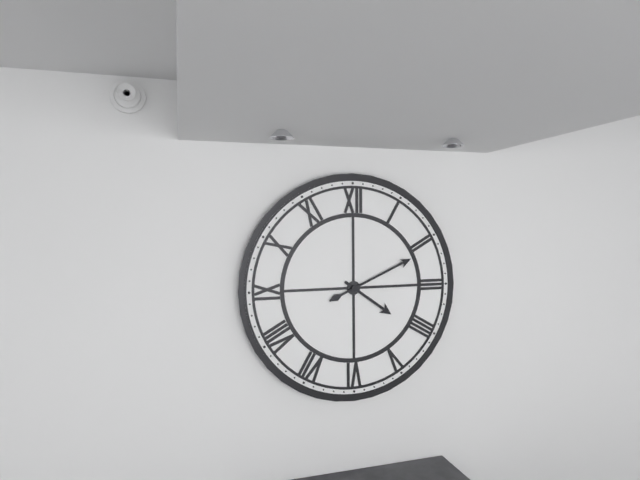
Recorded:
4 h 11 min
